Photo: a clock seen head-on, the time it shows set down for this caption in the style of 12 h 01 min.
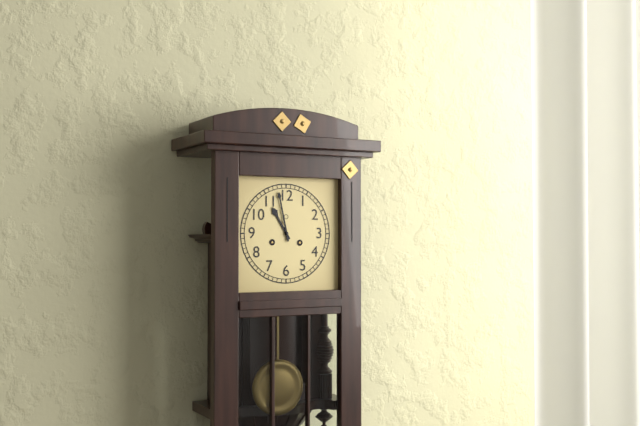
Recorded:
10 h 58 min
